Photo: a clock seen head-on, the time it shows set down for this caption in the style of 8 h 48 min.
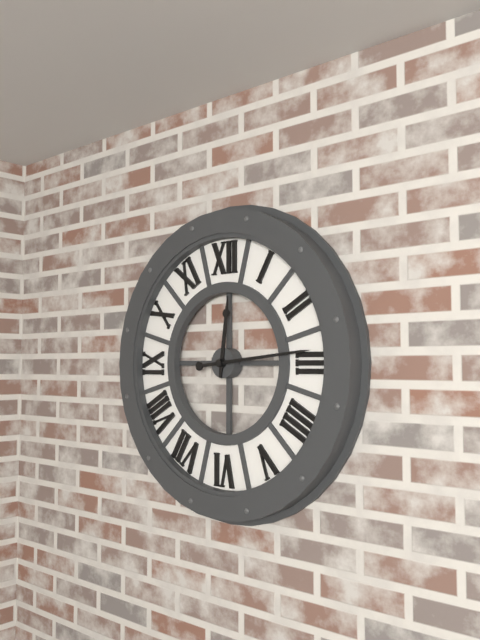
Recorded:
12 h 14 min
